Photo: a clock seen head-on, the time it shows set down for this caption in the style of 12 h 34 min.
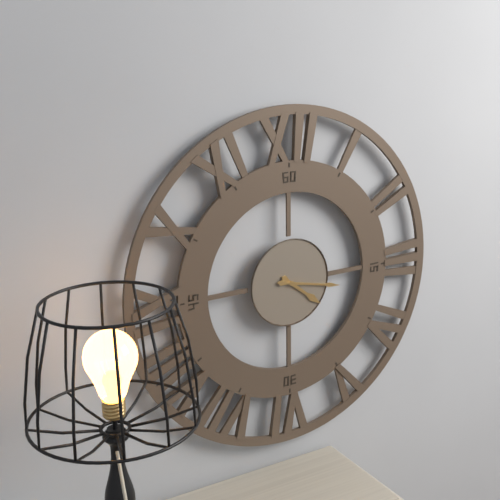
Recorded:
4 h 17 min
